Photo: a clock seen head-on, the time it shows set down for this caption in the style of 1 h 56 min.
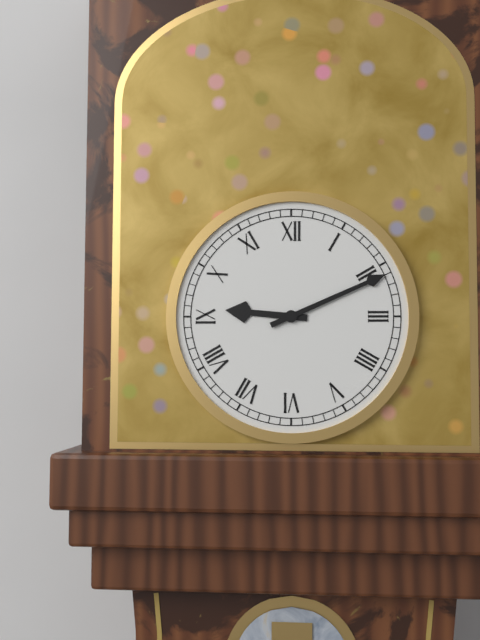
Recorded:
9 h 11 min
